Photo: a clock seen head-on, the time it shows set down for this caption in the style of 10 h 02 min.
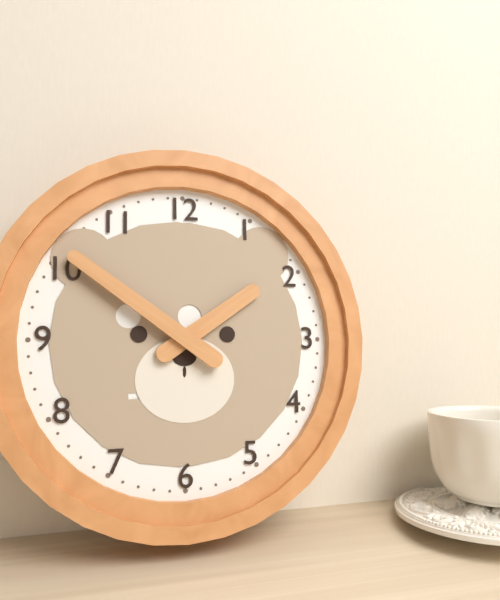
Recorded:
1 h 51 min
